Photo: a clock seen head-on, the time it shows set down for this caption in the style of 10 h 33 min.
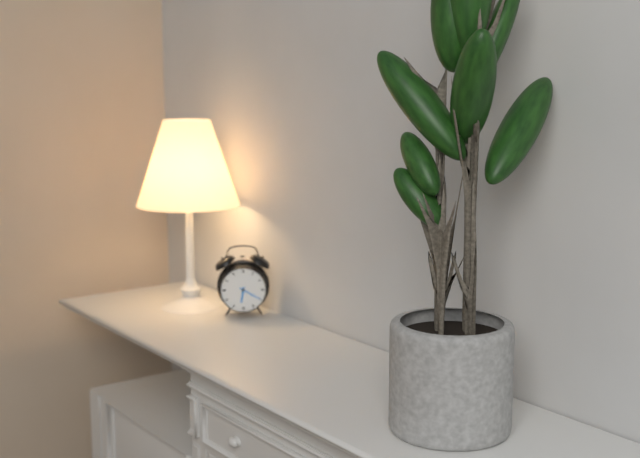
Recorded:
6 h 20 min
